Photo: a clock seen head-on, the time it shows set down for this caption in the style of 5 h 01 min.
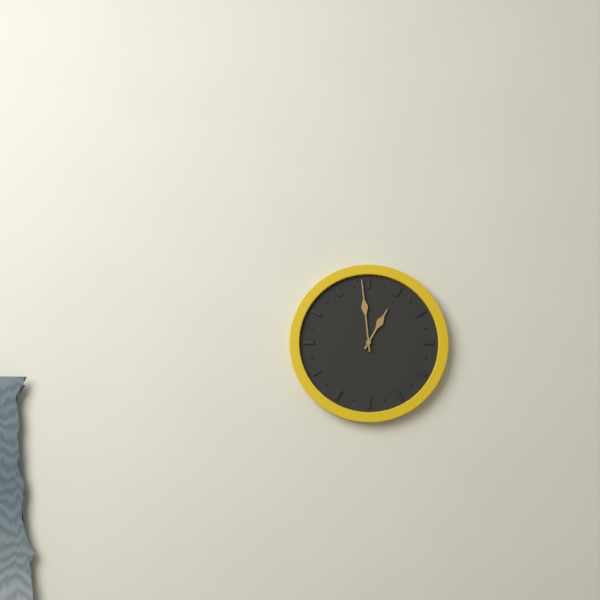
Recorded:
12 h 59 min
